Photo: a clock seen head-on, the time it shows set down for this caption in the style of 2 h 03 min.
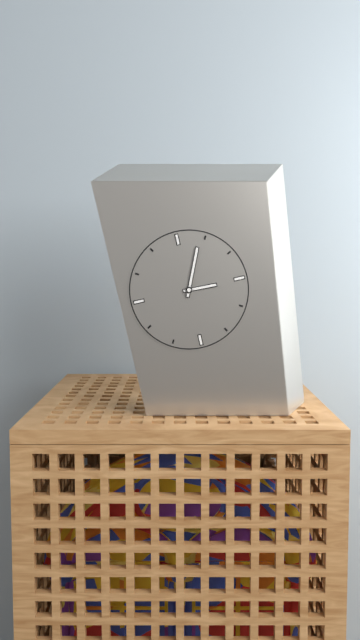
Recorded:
3 h 04 min
